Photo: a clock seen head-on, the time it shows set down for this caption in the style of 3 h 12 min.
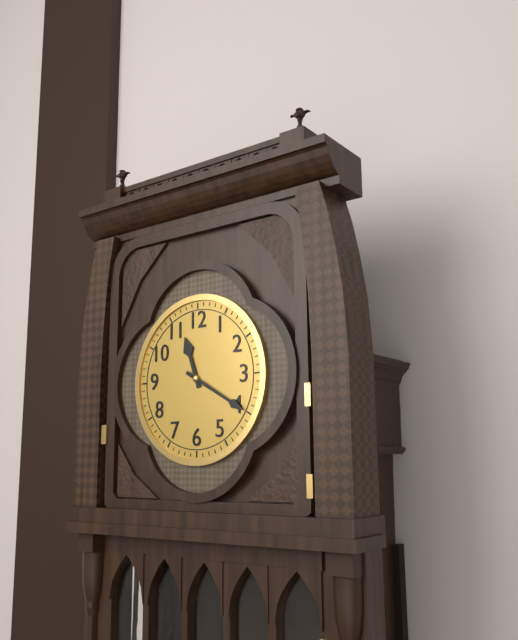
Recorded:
11 h 20 min
